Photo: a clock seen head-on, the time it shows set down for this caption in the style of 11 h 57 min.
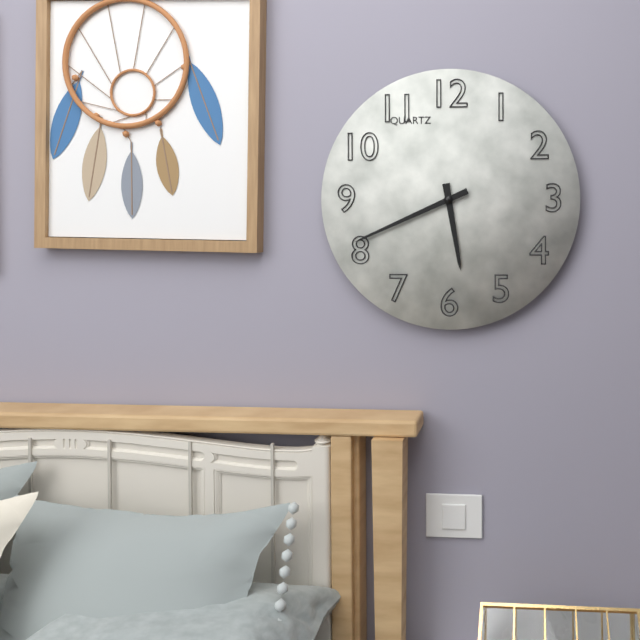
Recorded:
5 h 41 min
